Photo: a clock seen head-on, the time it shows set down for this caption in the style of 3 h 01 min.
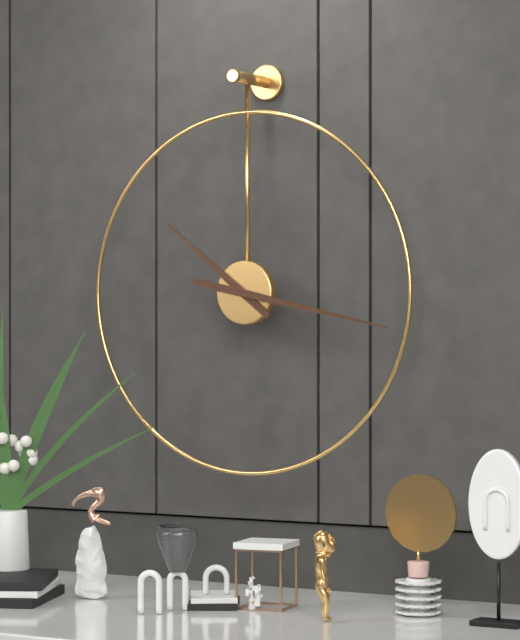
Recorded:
10 h 17 min
